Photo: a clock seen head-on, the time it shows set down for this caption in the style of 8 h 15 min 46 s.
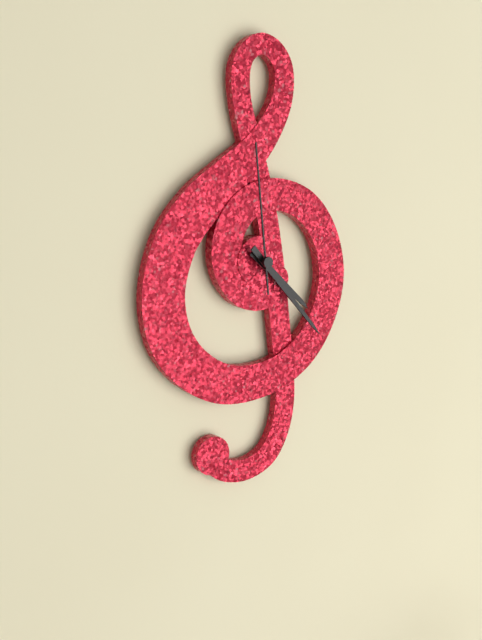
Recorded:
4 h 23 min 59 s
